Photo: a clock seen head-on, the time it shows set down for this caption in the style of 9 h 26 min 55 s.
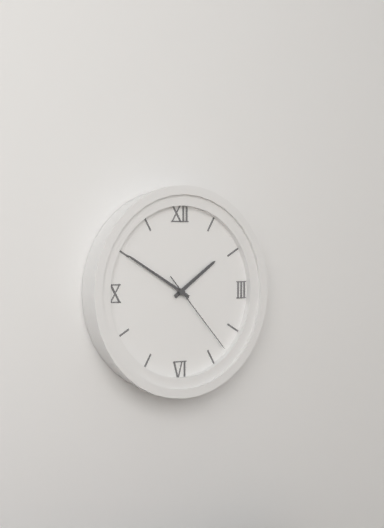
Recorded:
1 h 50 min 23 s
